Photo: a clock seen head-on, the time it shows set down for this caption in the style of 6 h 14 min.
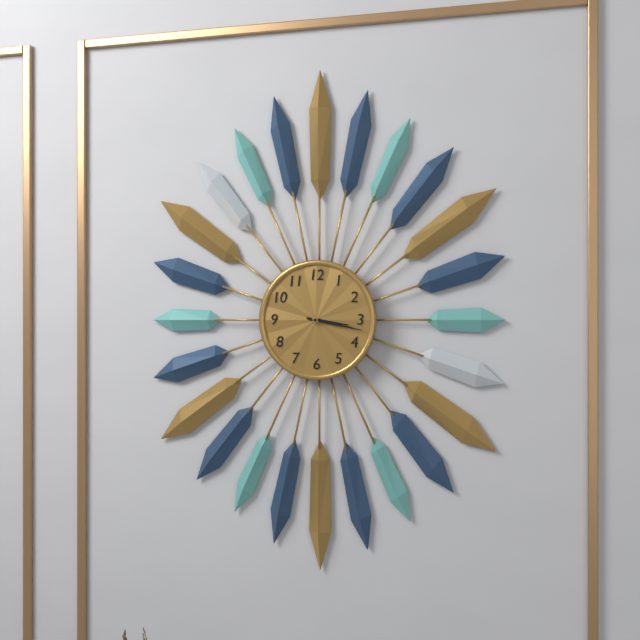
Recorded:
3 h 17 min
